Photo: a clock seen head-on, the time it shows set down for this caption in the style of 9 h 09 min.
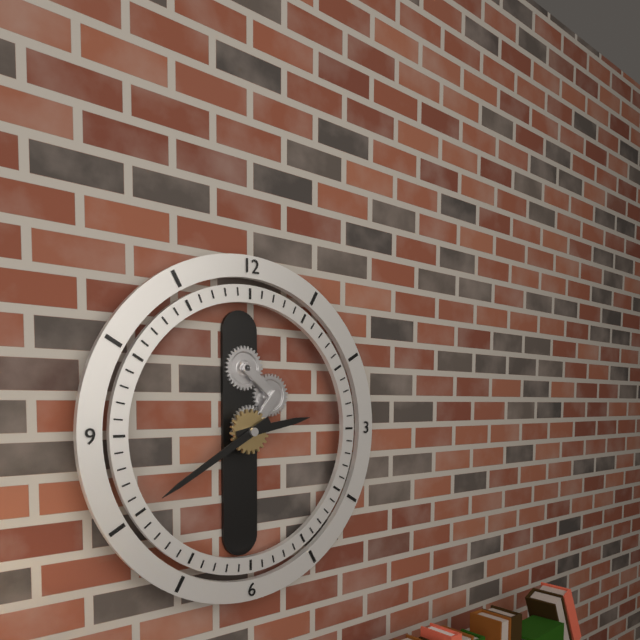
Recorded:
2 h 40 min
